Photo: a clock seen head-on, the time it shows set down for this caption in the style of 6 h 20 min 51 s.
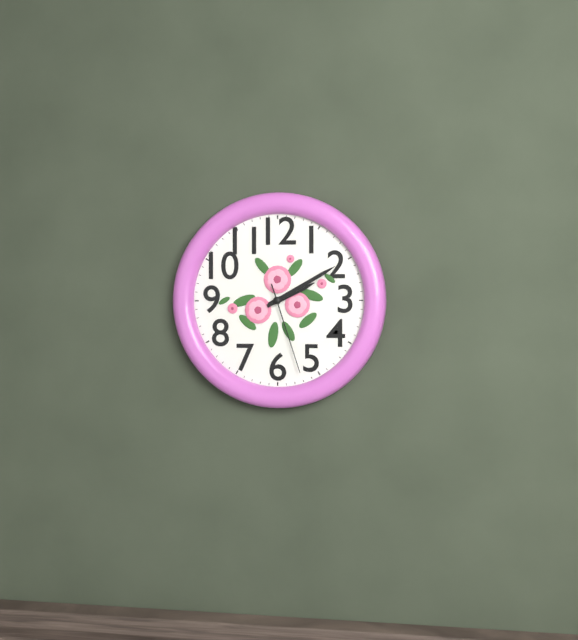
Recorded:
2 h 10 min 27 s
